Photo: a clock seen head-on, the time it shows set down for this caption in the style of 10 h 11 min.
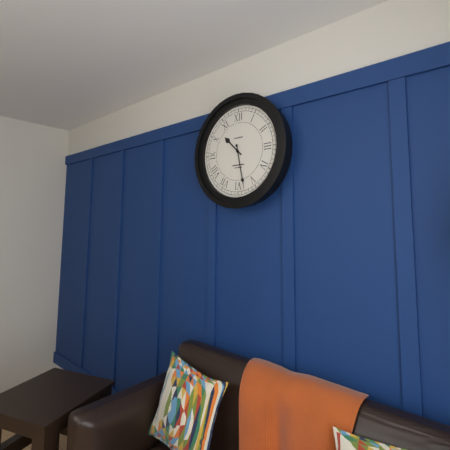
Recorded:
10 h 28 min
